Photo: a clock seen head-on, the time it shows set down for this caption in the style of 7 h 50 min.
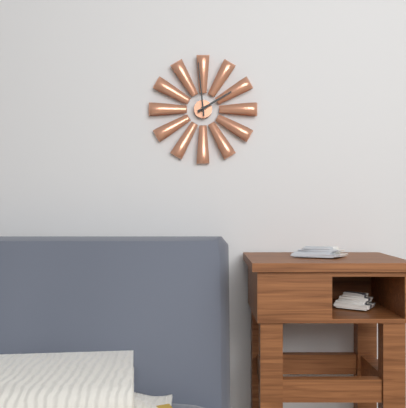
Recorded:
1 h 59 min
